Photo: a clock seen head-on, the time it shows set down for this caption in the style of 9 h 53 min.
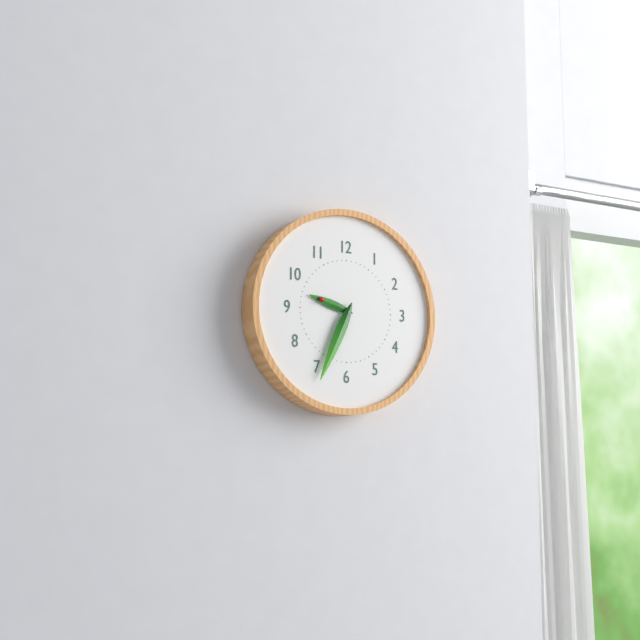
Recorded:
9 h 34 min
